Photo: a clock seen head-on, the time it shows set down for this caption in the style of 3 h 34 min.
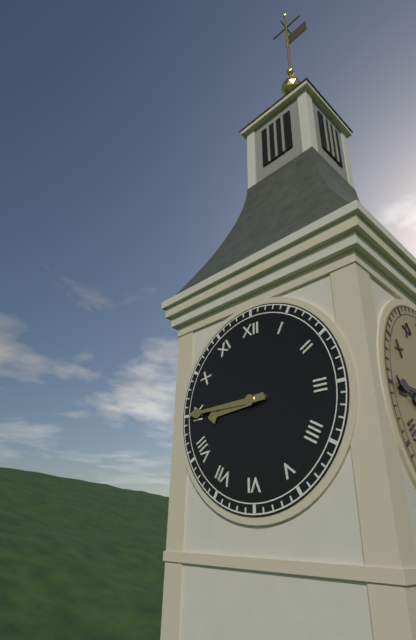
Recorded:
8 h 45 min
